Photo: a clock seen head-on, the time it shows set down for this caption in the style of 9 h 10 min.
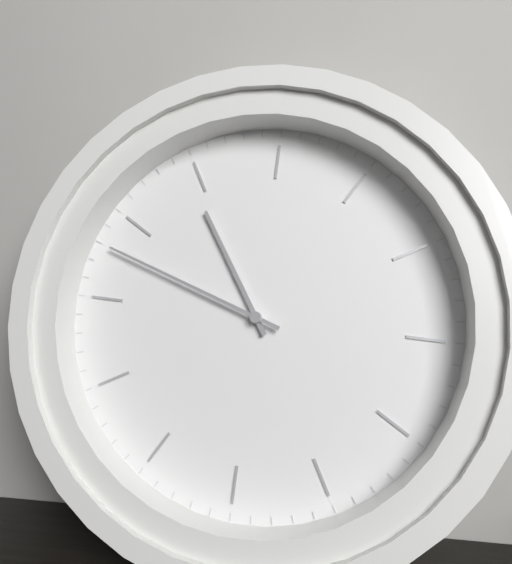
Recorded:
11 h 53 min
